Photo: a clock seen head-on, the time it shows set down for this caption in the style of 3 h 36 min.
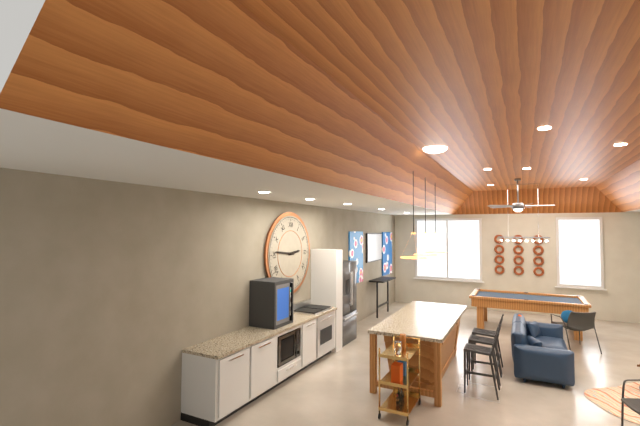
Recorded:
2 h 46 min
